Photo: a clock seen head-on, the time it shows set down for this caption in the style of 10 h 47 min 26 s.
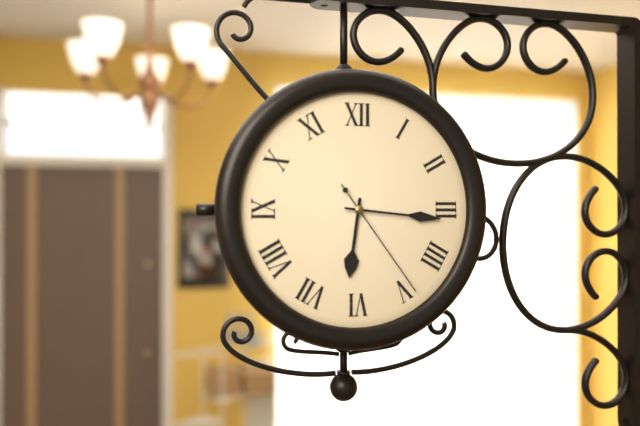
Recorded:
6 h 16 min 24 s
